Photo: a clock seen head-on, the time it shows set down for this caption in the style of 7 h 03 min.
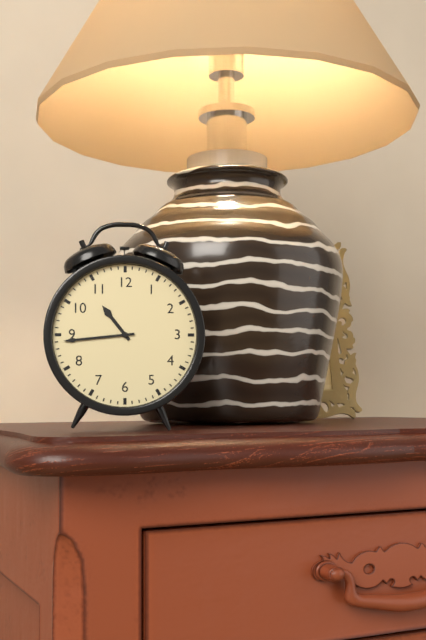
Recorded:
10 h 44 min
